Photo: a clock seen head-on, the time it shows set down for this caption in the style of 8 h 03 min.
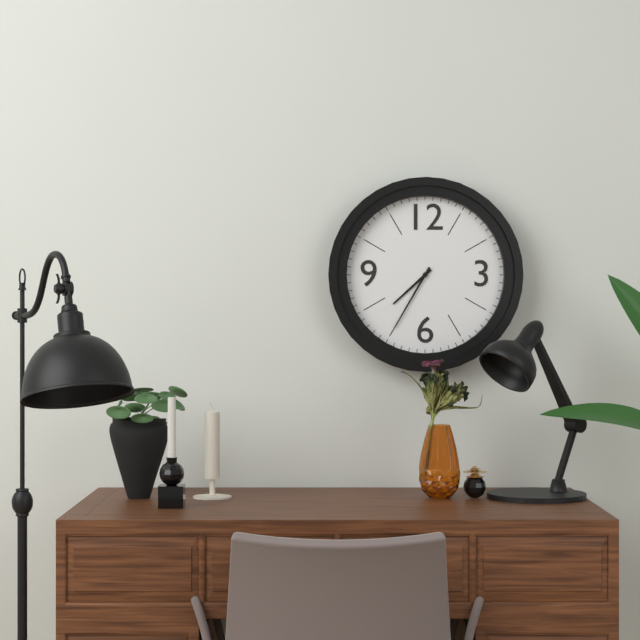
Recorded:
7 h 35 min
